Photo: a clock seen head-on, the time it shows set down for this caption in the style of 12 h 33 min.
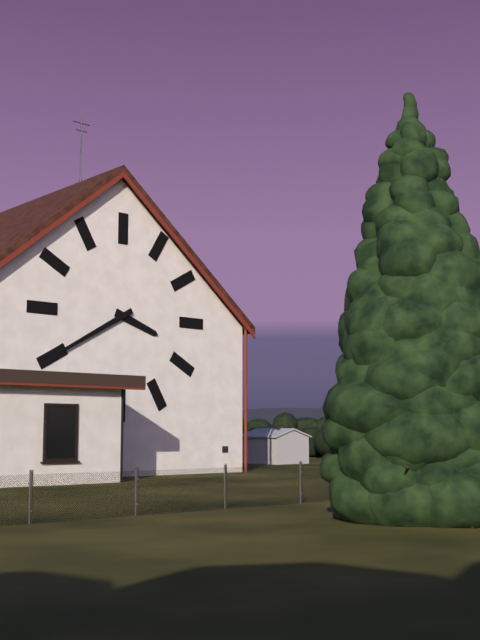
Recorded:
3 h 40 min
